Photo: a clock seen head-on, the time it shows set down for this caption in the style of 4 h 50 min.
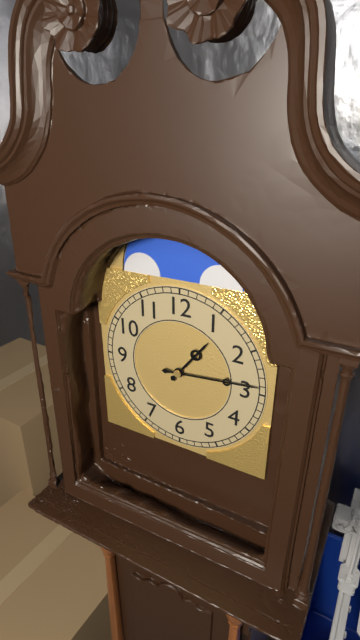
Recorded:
1 h 14 min
